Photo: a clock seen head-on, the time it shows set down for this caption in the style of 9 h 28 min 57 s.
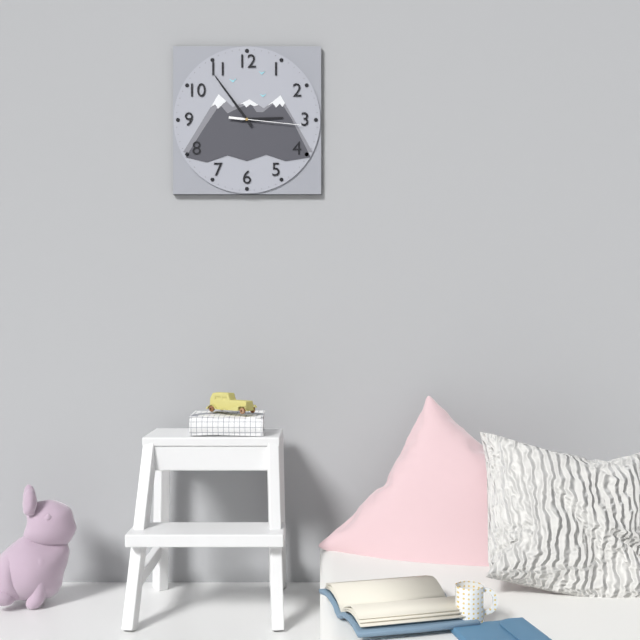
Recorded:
2 h 54 min 16 s
